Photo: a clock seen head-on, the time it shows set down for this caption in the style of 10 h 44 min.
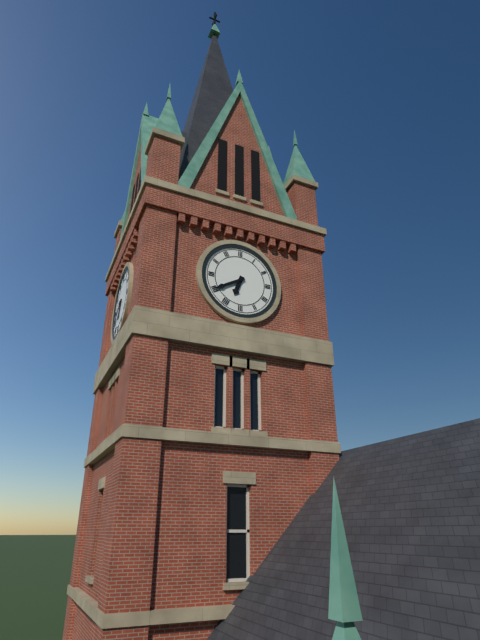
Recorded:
6 h 40 min
